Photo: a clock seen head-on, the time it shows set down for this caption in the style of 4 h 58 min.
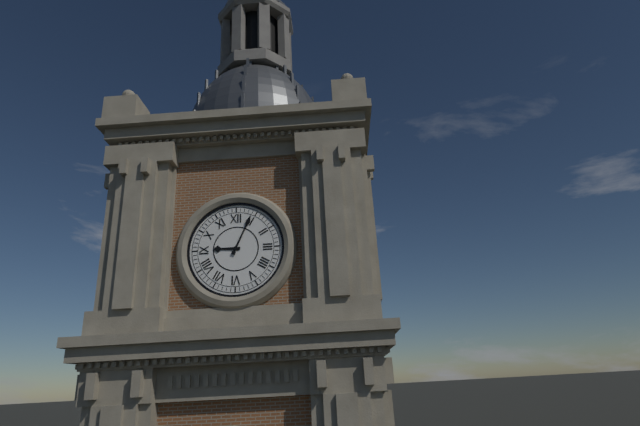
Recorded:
9 h 04 min
